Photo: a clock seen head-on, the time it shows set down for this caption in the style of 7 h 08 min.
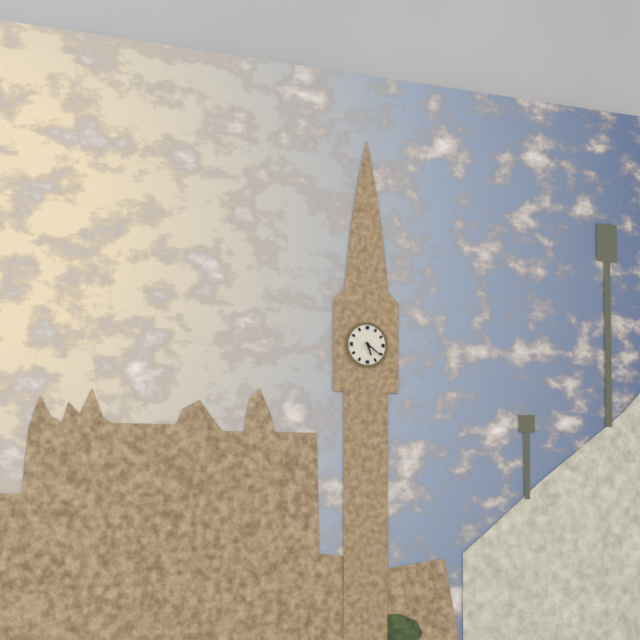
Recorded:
5 h 21 min
